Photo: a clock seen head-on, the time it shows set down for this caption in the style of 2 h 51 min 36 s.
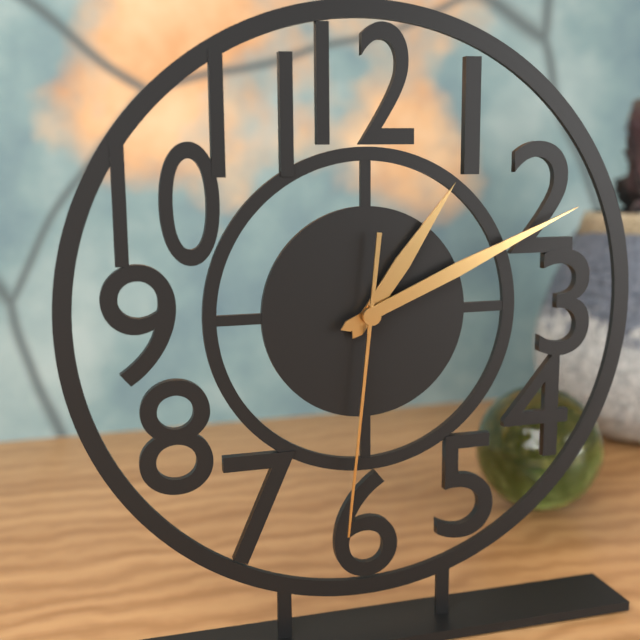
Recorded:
1 h 11 min 31 s
